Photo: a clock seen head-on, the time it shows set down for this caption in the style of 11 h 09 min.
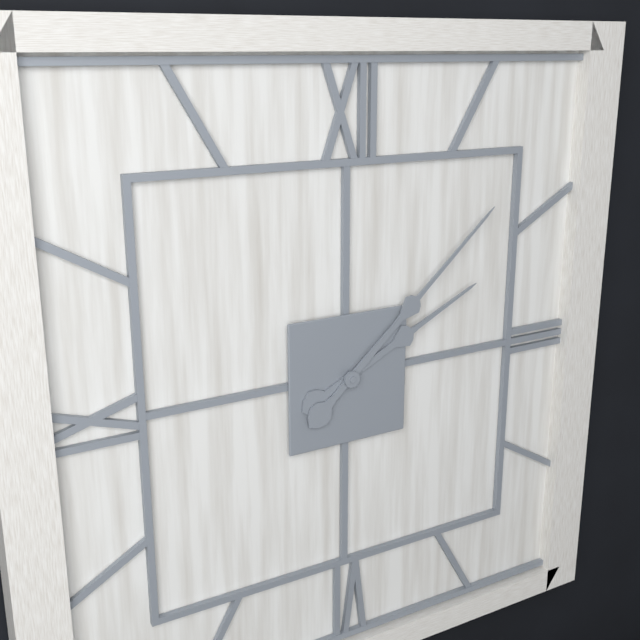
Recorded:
2 h 08 min
